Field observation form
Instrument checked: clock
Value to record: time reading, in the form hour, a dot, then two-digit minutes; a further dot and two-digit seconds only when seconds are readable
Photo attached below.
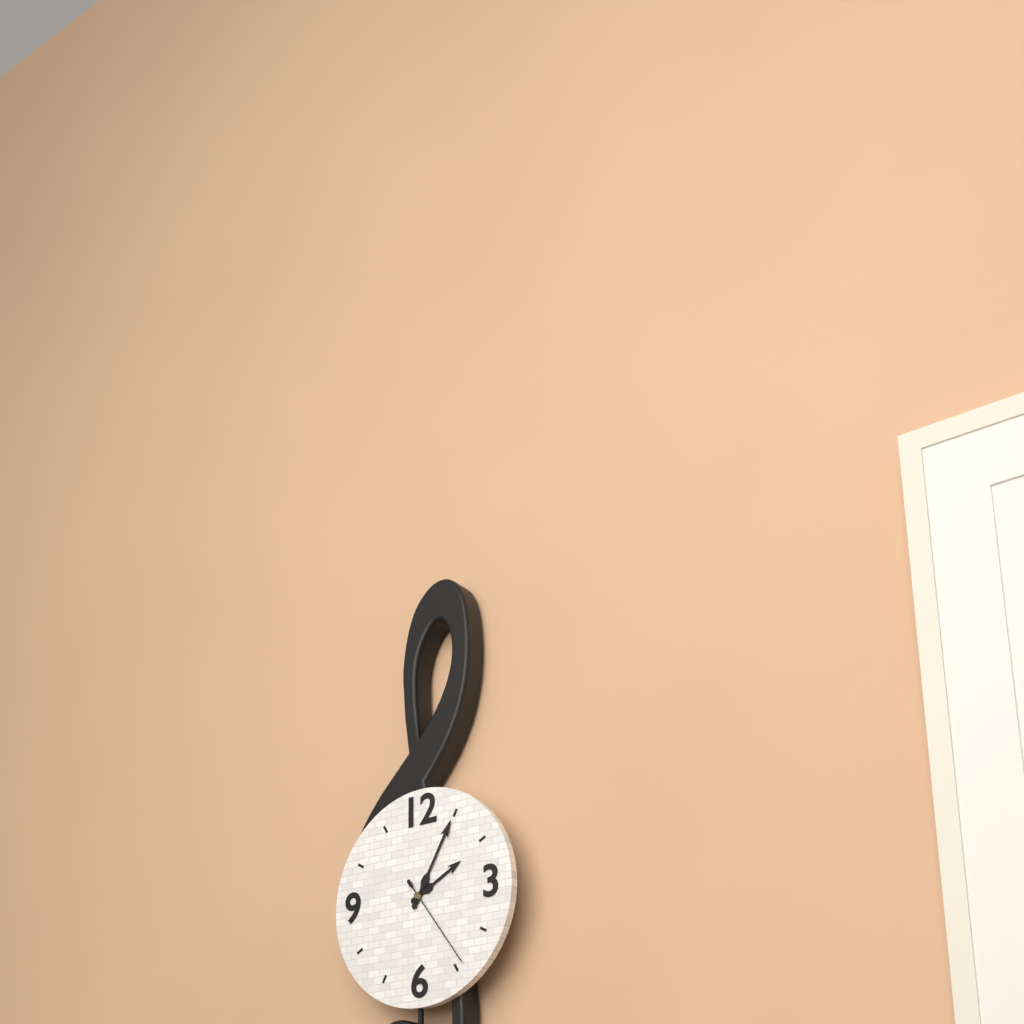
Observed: 2.05.24
